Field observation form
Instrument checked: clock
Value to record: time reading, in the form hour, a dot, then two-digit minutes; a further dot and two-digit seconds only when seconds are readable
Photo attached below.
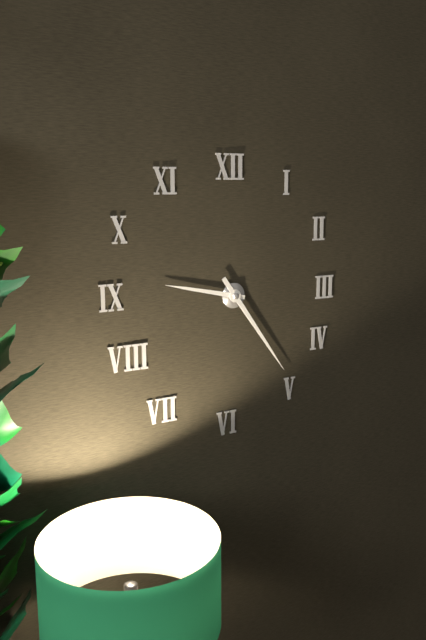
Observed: 9.24
